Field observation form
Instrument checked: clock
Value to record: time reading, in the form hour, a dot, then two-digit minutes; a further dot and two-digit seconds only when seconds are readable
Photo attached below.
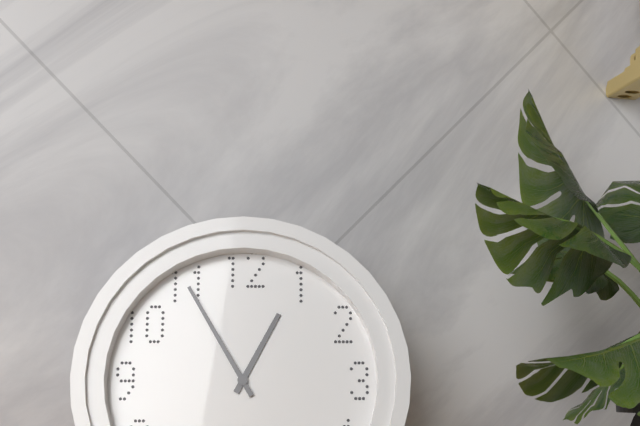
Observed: 12.55
